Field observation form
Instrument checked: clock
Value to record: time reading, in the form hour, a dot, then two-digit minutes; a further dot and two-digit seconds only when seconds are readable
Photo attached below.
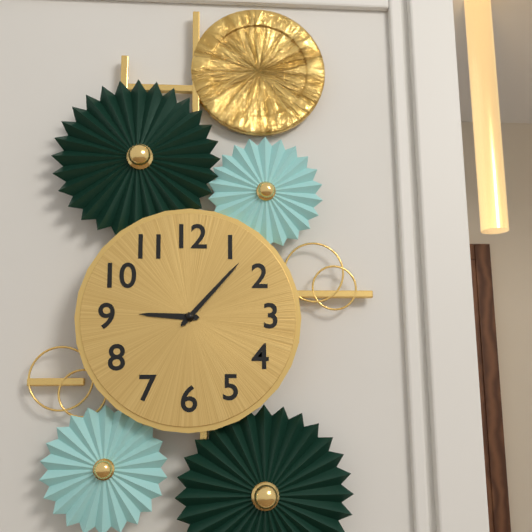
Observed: 9.07
